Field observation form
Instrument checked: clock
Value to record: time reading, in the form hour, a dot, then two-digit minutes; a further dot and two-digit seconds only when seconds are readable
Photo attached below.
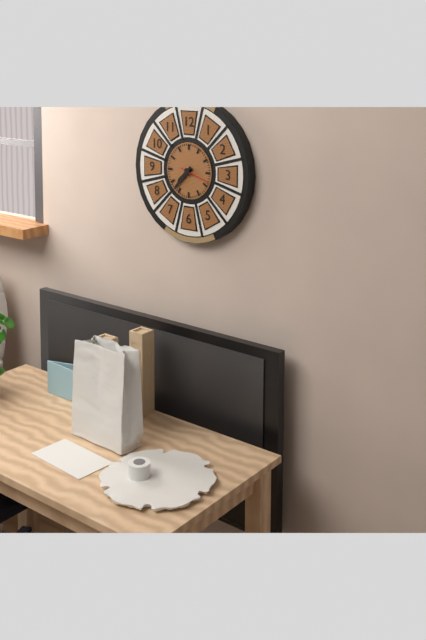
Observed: 7.37
